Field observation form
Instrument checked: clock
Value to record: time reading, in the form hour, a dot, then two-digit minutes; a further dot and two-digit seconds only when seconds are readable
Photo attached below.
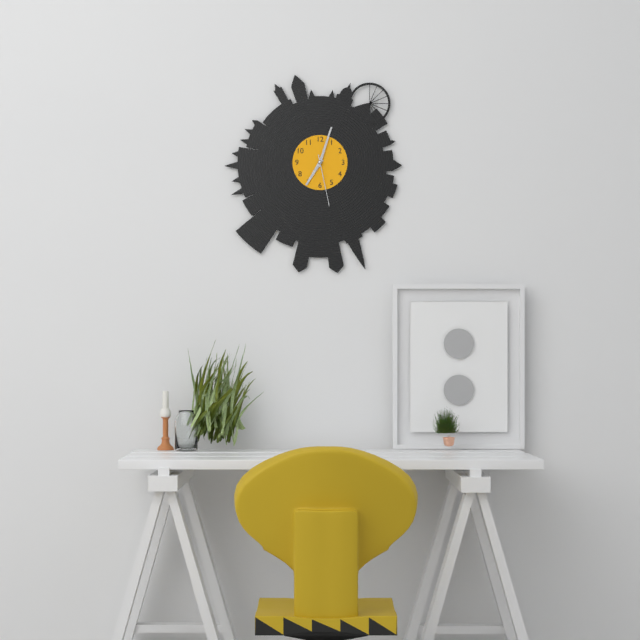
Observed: 7.03.28
